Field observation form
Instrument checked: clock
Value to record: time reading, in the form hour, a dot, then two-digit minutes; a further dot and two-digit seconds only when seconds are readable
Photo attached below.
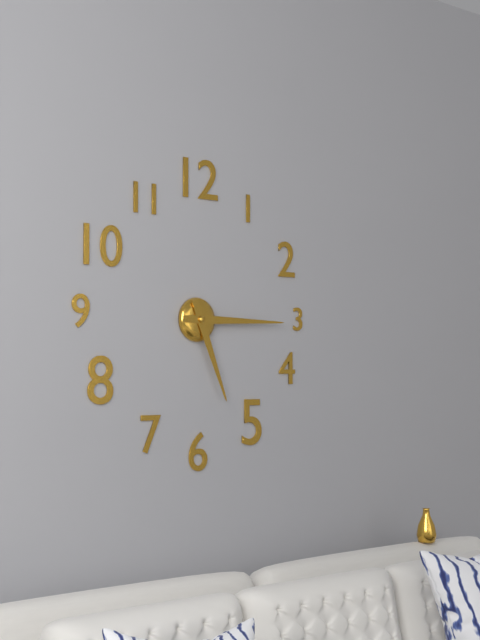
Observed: 5.15
